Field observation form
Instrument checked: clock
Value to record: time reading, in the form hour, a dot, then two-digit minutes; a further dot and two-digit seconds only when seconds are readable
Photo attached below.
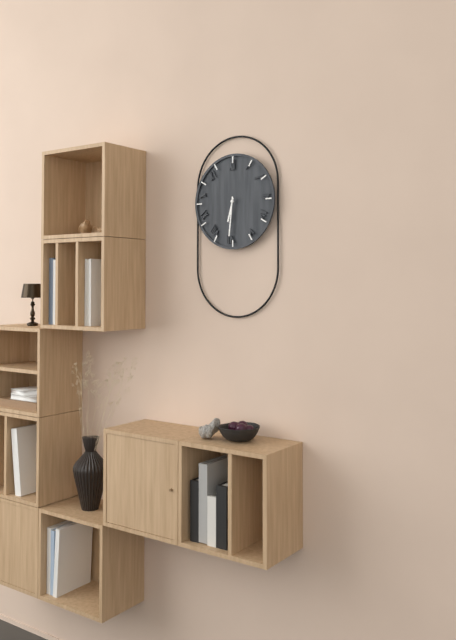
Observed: 6.31
